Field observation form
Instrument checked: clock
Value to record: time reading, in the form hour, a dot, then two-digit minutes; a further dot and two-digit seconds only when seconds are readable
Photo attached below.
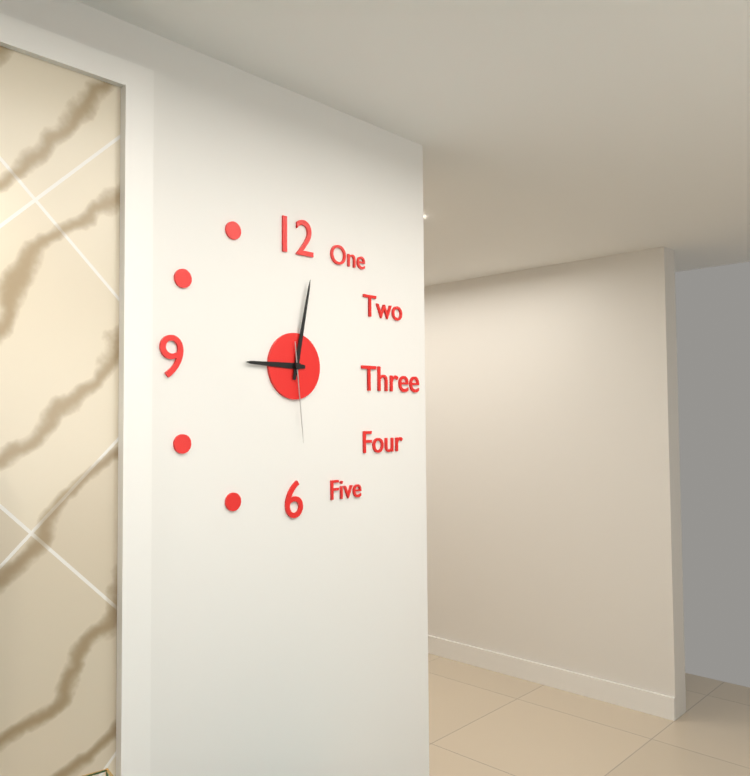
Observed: 9.02.29
